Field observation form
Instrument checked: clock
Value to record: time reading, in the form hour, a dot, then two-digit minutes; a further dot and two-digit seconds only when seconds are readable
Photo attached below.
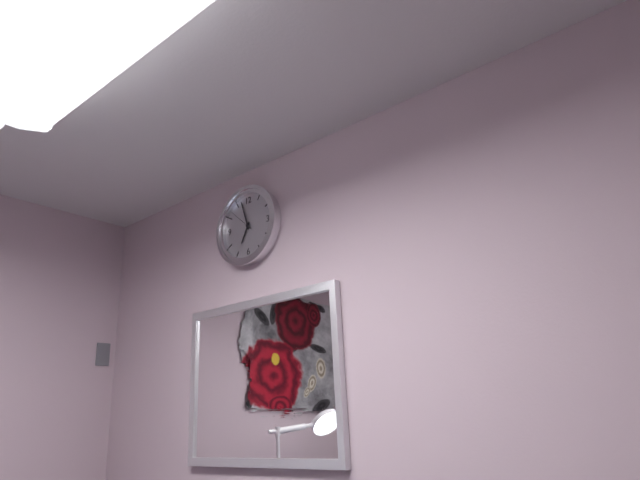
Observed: 6.57
